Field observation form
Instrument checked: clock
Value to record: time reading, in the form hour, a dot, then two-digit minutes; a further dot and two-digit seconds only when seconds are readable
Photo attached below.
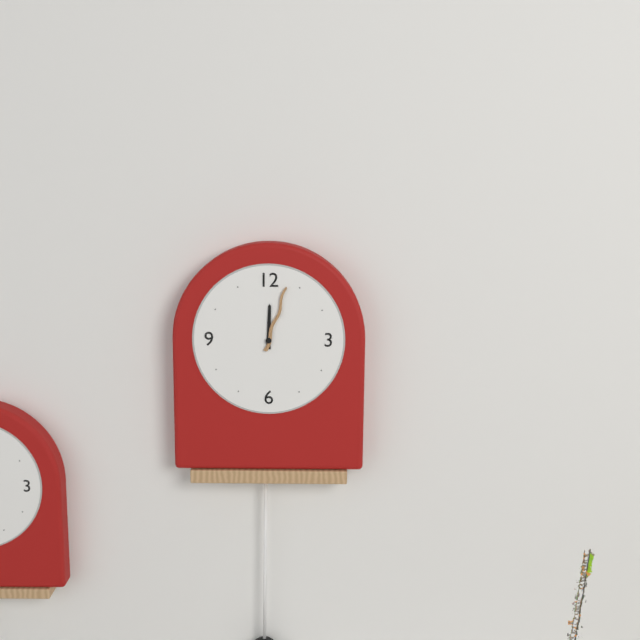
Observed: 12.03
